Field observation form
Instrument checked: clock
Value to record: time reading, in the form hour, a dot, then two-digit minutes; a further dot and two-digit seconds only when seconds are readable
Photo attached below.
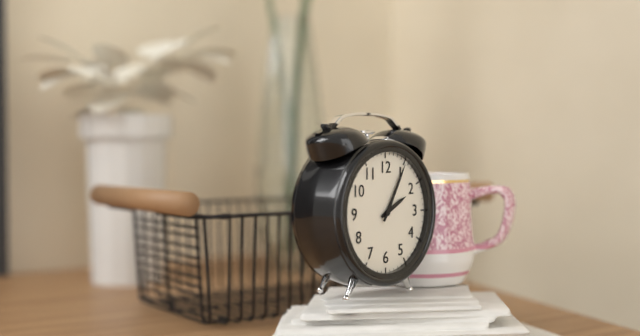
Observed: 2.05
